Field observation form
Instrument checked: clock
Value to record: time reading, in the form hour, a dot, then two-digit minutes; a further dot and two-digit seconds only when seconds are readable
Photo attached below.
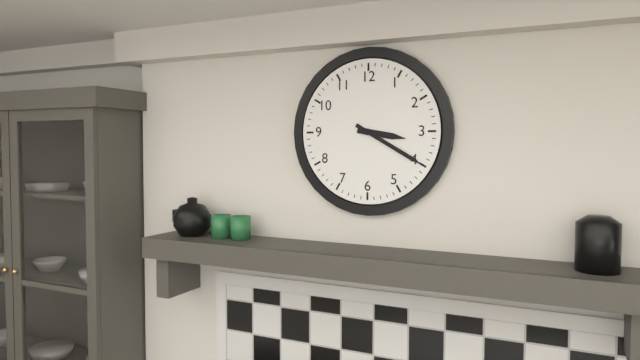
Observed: 3.20
